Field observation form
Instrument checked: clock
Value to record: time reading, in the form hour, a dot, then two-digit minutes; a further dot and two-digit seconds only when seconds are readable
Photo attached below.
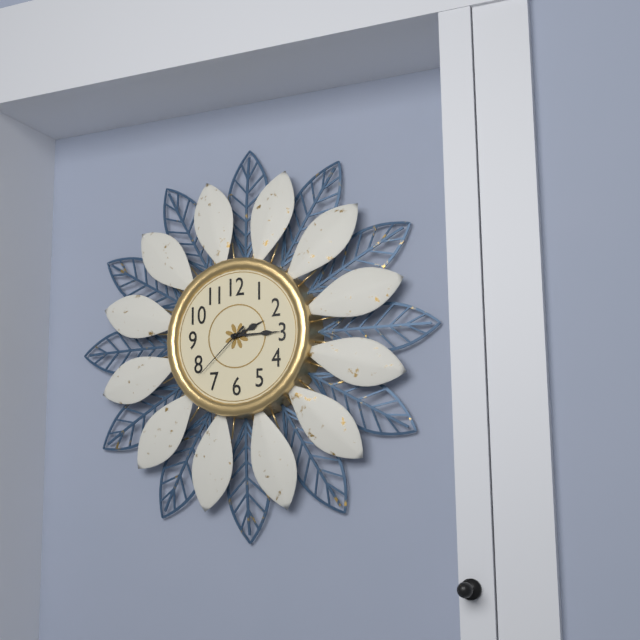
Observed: 2.15.38
